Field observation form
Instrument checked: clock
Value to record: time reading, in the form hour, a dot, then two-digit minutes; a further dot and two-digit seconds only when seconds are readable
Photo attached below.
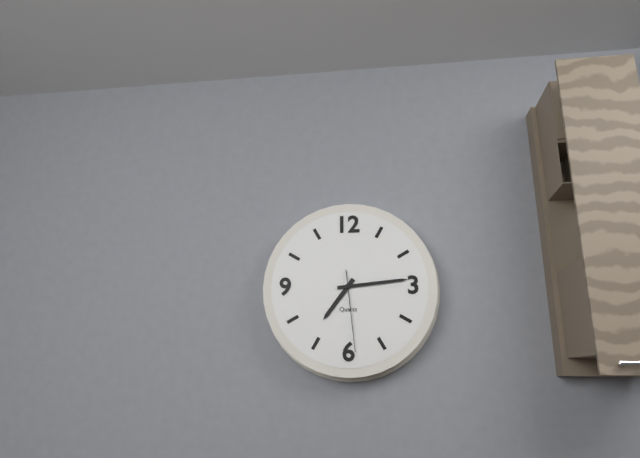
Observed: 7.14.29
